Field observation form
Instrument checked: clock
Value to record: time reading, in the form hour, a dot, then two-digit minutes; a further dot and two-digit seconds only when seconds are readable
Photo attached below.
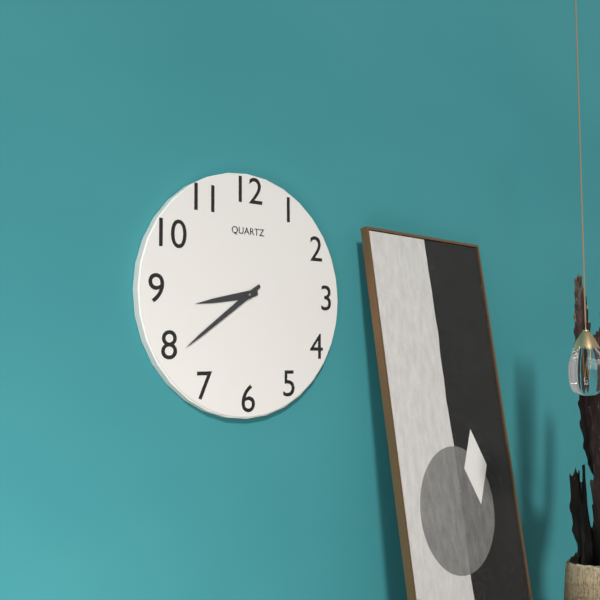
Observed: 8.39
